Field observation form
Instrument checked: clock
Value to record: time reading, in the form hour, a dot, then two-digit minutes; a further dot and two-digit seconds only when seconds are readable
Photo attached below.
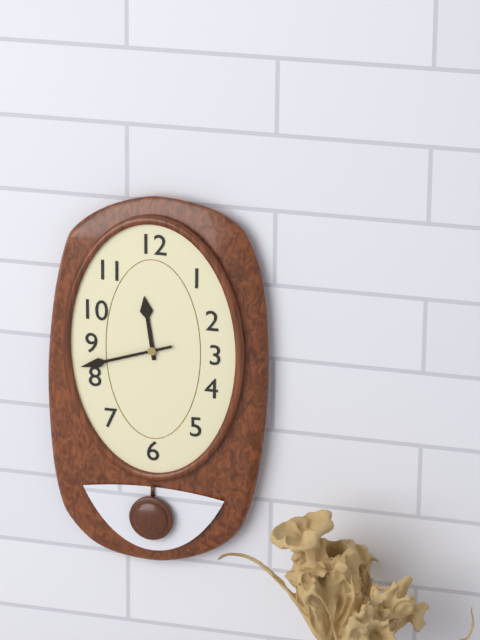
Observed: 11.42
